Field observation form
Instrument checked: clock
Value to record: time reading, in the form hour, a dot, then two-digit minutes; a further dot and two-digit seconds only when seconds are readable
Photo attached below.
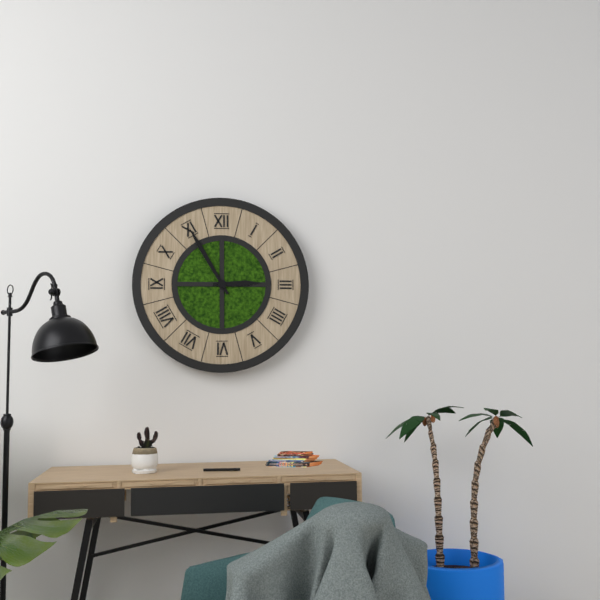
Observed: 2.55
